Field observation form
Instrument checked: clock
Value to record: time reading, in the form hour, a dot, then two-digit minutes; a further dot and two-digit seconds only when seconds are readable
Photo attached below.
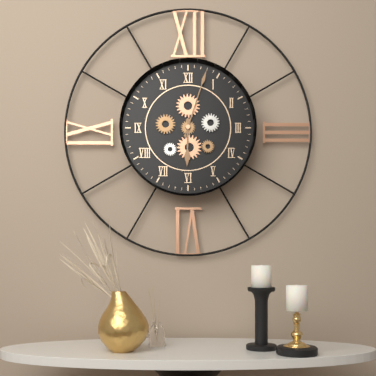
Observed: 6.03
